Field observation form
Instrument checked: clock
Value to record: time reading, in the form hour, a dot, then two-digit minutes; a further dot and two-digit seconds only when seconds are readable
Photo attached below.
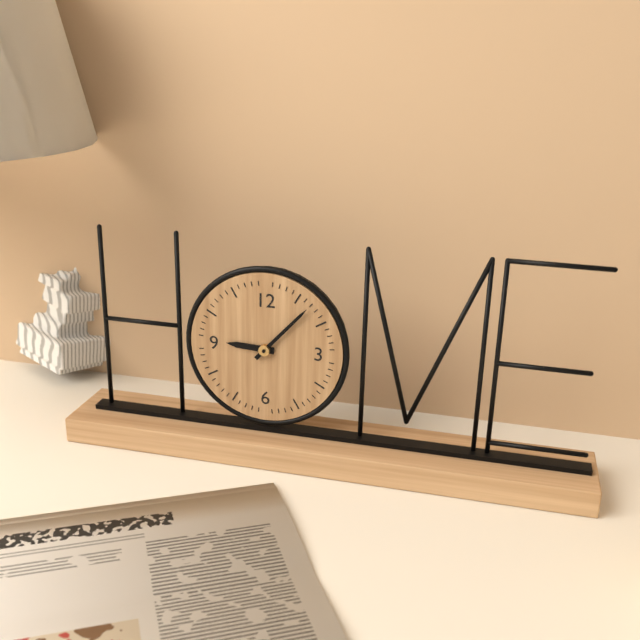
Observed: 9.07
